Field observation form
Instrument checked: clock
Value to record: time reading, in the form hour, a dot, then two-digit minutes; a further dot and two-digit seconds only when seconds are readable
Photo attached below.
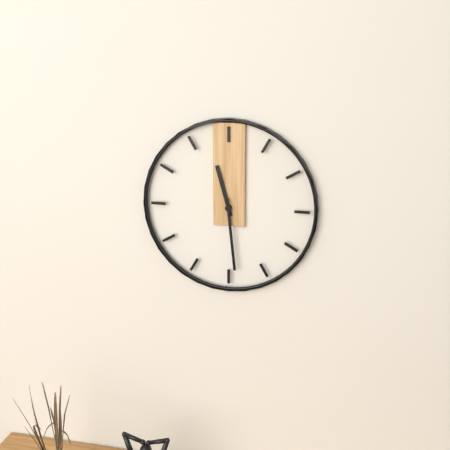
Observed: 11.29
